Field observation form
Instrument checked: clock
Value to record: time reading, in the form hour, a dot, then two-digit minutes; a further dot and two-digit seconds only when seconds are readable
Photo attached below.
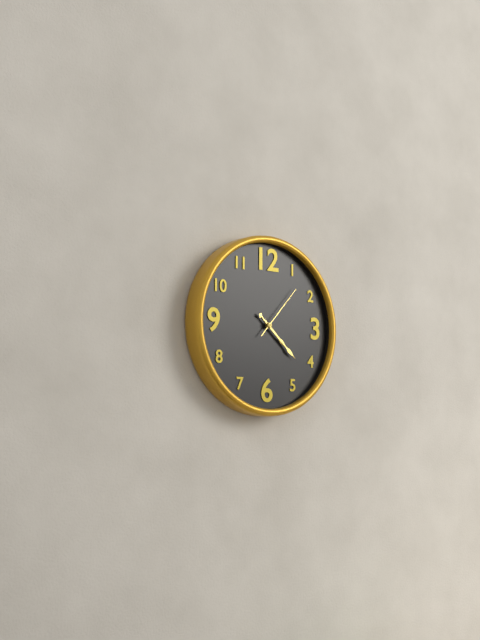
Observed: 4.22.07
